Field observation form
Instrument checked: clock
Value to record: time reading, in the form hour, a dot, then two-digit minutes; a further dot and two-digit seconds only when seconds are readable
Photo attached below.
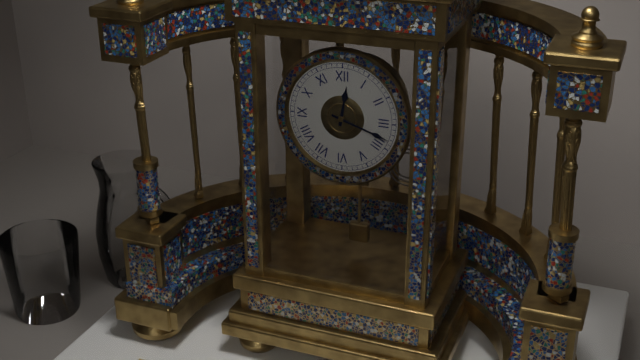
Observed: 12.18
